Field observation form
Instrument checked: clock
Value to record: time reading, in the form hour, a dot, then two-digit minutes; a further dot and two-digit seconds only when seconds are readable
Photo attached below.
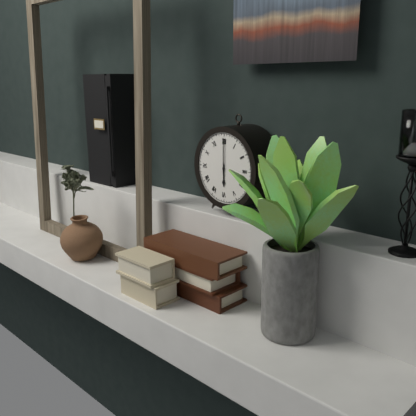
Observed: 6.00
